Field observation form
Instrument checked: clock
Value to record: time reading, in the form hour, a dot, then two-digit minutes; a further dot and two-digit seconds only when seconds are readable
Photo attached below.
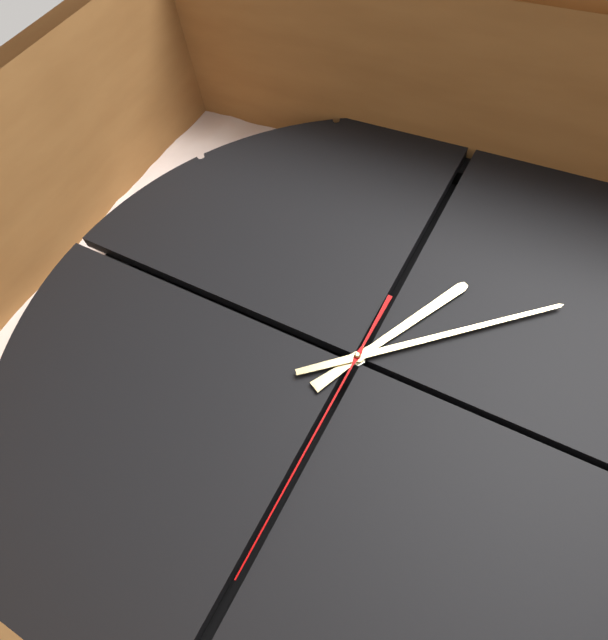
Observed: 9.53.15
